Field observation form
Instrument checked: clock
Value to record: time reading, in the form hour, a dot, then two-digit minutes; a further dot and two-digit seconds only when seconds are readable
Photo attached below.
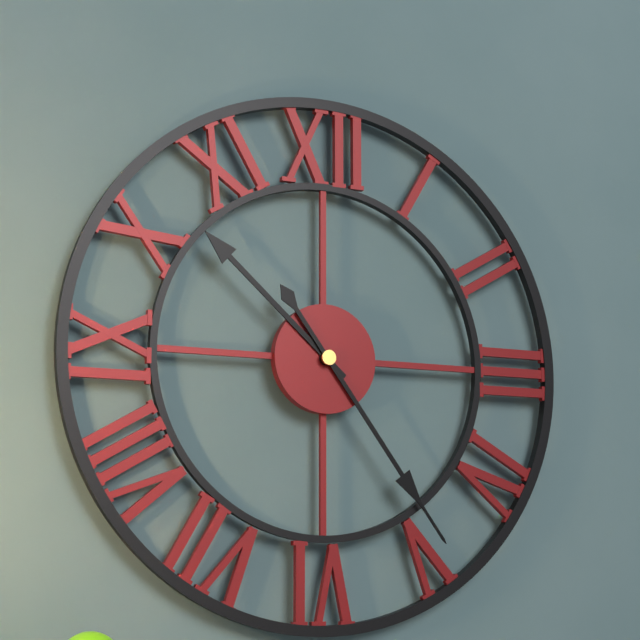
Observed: 10.24
